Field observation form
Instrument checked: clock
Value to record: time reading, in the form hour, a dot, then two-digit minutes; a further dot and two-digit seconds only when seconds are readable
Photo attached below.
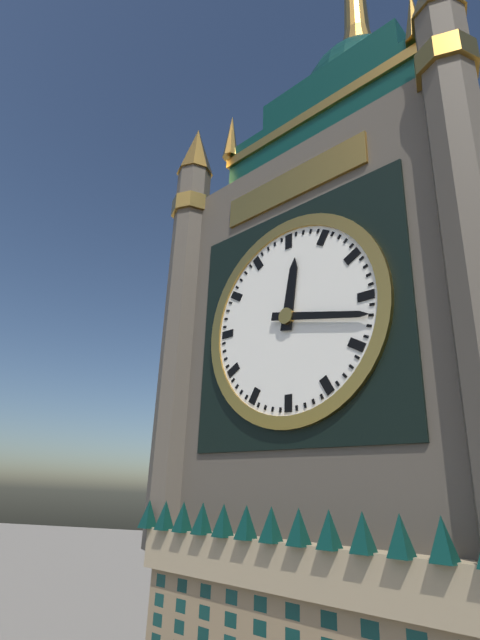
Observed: 12.17
